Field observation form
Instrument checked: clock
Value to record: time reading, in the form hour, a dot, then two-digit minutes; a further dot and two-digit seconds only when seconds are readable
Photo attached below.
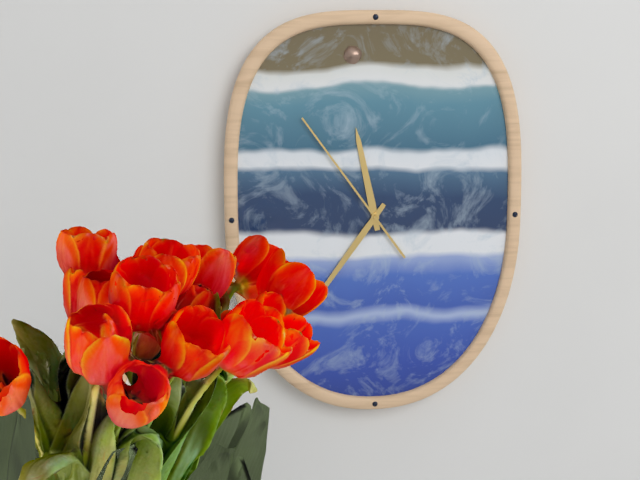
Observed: 11.36.54
